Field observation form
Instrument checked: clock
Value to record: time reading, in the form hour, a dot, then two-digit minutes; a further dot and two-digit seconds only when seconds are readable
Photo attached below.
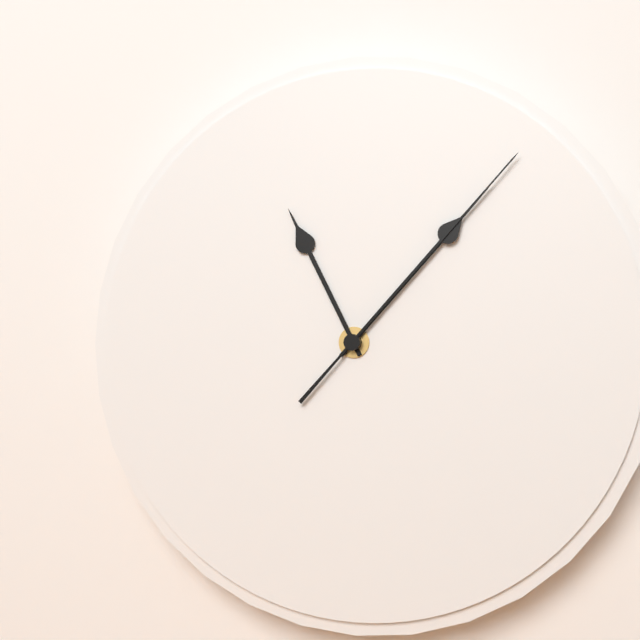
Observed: 11.07.07
